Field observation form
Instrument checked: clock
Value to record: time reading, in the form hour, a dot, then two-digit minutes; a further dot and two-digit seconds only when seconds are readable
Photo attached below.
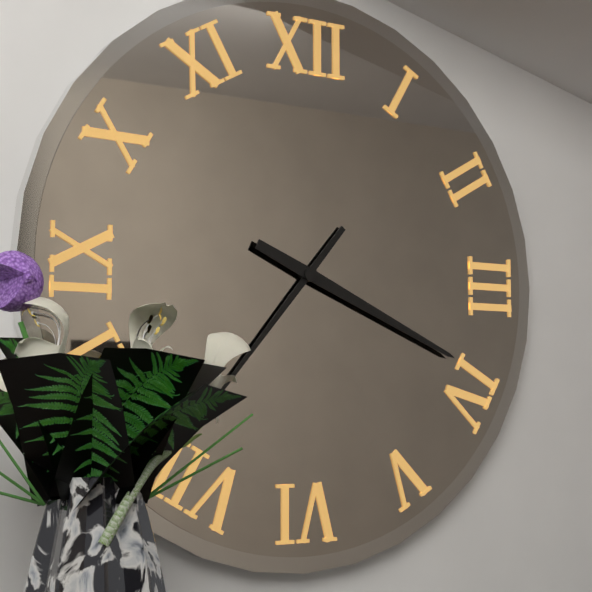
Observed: 7.19
